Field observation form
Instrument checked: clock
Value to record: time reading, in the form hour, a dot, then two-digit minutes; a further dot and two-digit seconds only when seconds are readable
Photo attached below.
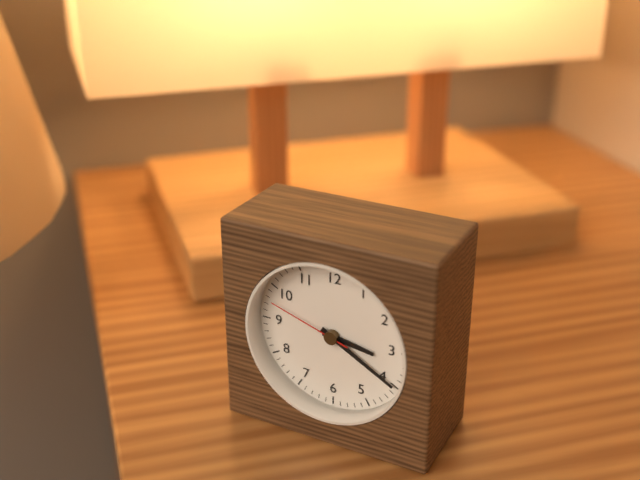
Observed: 3.20.48
